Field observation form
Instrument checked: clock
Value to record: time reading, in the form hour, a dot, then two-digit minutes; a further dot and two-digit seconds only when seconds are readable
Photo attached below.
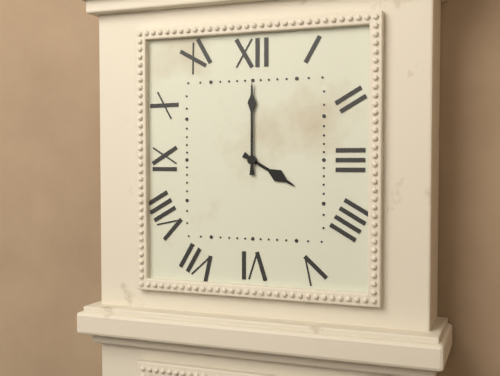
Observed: 4.00
